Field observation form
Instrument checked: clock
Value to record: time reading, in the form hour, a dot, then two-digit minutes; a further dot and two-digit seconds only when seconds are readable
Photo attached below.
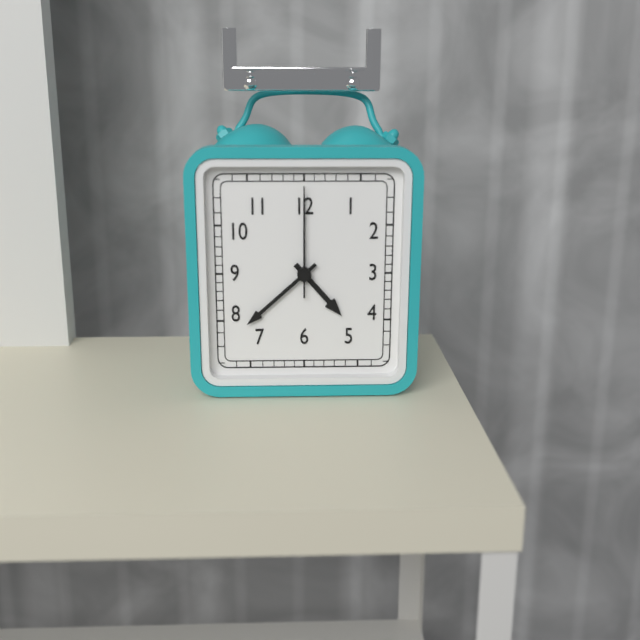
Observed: 4.38.00
